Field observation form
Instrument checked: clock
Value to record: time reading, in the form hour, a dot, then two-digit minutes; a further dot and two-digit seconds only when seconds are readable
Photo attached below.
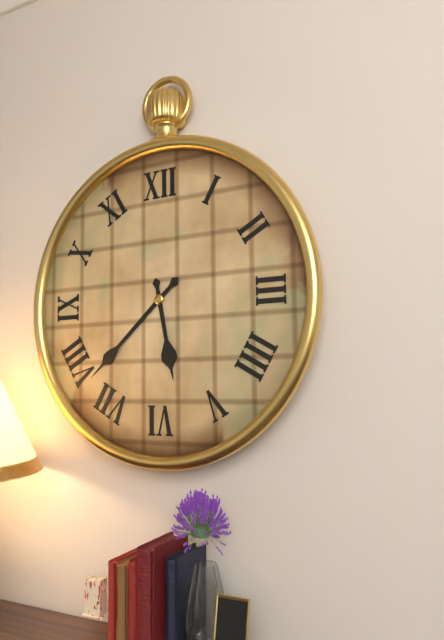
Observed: 5.38
